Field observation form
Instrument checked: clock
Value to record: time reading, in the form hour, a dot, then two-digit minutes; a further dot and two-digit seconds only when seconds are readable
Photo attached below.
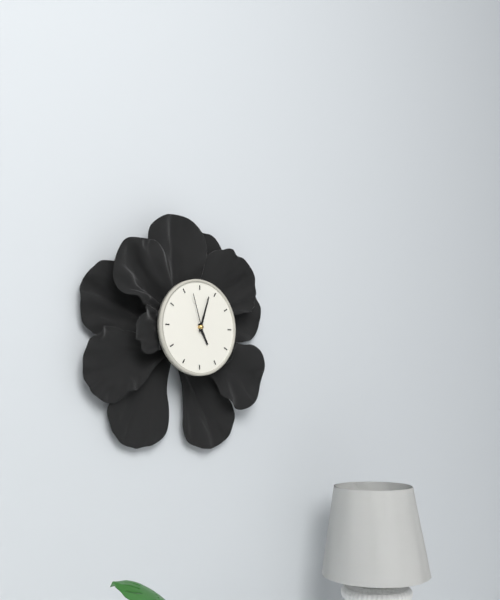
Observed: 5.03
